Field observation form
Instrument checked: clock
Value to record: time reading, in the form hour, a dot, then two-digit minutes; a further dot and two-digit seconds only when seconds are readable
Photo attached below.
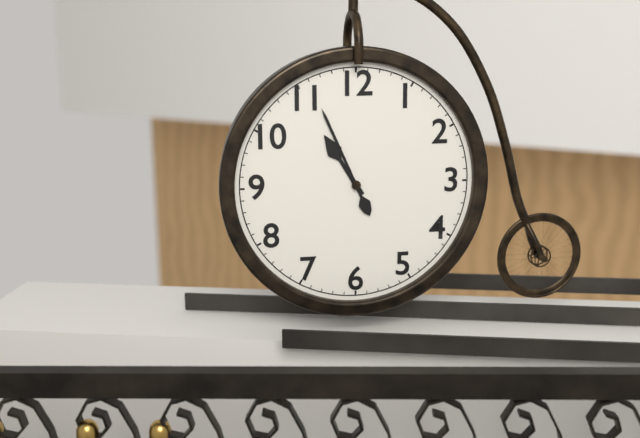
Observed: 10.56
